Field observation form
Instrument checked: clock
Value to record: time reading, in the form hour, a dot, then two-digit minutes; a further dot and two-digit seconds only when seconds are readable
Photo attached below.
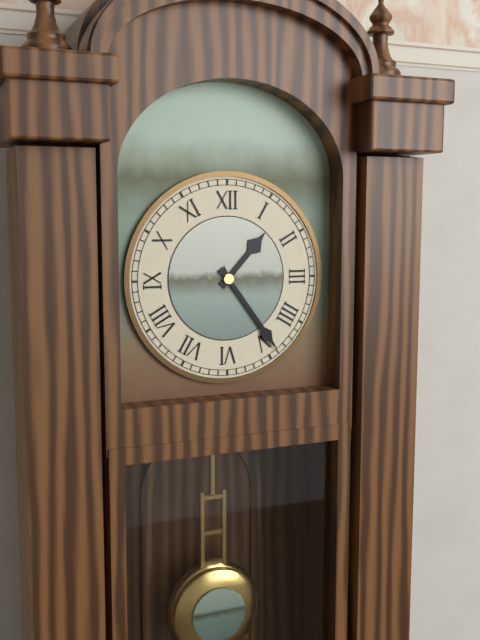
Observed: 1.24
